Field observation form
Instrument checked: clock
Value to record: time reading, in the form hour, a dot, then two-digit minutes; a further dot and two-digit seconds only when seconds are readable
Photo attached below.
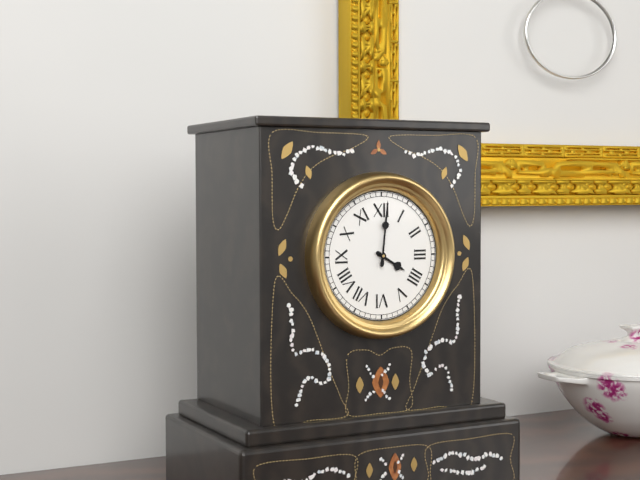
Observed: 4.01
